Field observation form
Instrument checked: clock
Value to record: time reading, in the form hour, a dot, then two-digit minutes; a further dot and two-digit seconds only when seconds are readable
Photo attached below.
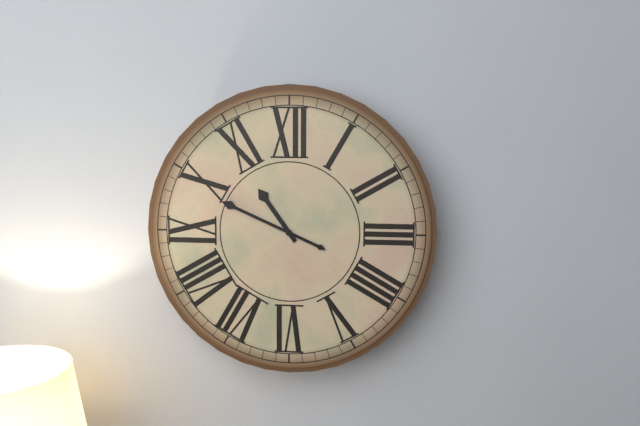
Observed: 10.49
